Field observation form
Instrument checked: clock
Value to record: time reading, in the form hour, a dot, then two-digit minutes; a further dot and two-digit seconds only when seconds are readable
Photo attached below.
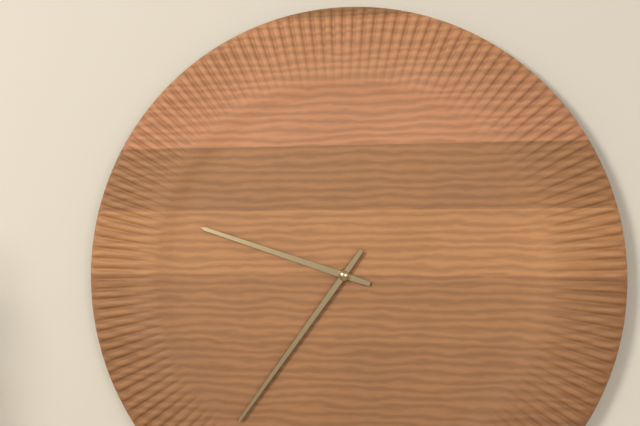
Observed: 9.36
